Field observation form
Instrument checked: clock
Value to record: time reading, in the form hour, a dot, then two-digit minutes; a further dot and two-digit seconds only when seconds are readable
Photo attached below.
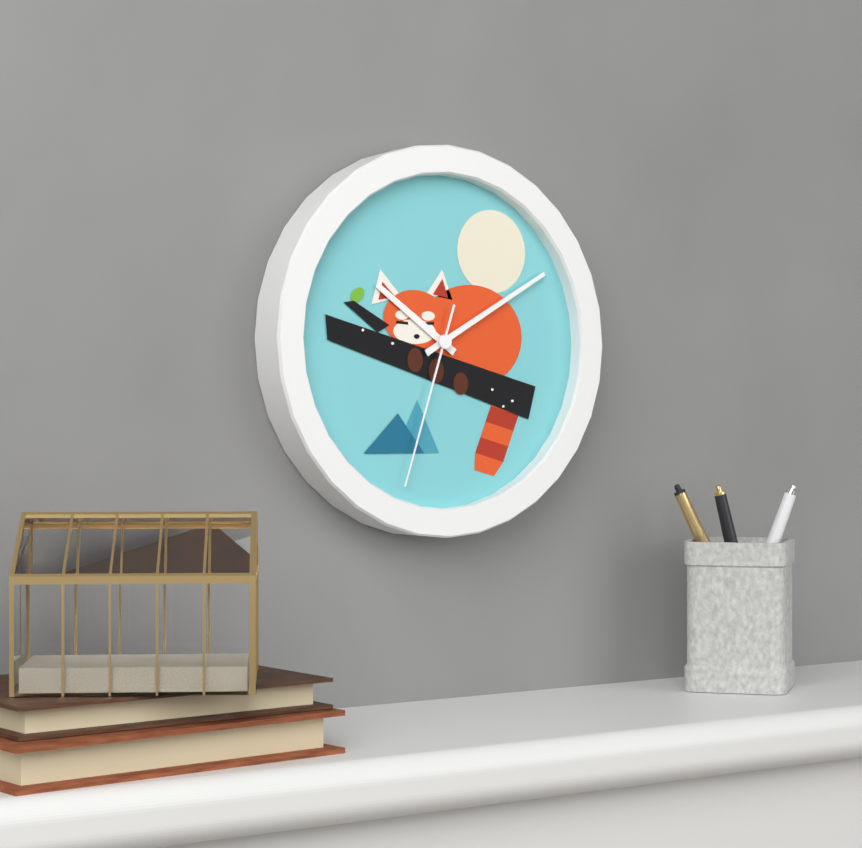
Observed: 10.10.33
